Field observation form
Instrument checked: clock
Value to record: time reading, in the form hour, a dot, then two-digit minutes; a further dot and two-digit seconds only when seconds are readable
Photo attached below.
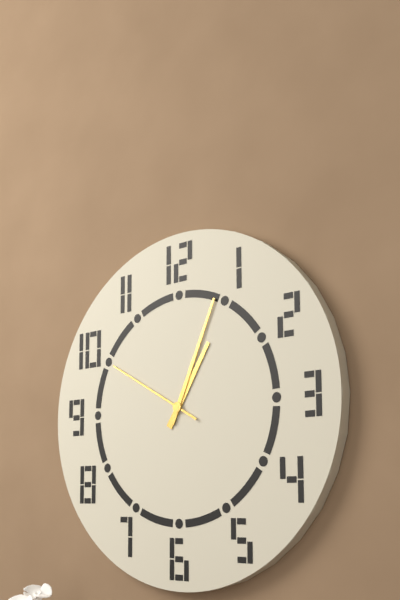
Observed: 1.04.50
